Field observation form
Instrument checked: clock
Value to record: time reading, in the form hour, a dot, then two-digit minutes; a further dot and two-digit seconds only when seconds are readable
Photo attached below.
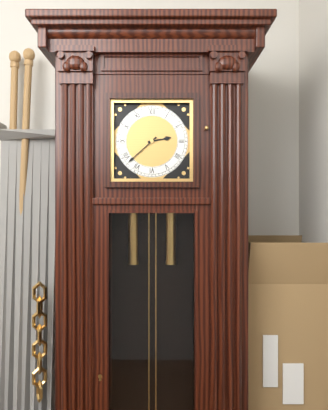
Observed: 2.38
